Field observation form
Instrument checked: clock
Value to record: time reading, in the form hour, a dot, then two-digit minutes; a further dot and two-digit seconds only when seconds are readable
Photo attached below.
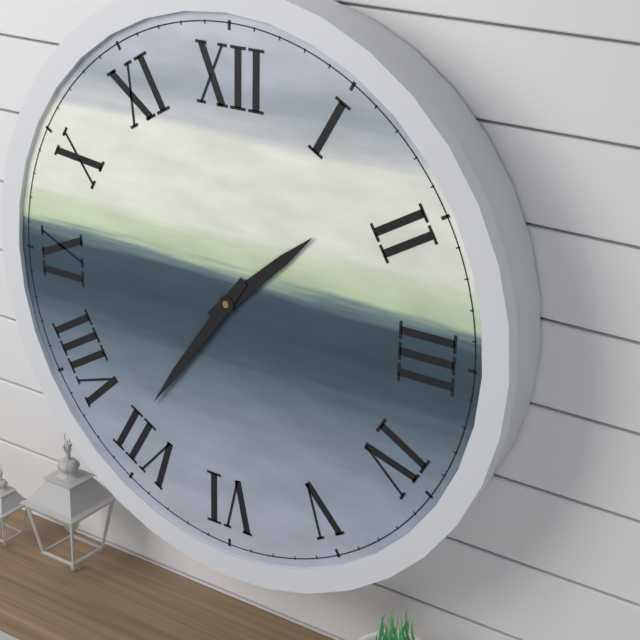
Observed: 1.36
